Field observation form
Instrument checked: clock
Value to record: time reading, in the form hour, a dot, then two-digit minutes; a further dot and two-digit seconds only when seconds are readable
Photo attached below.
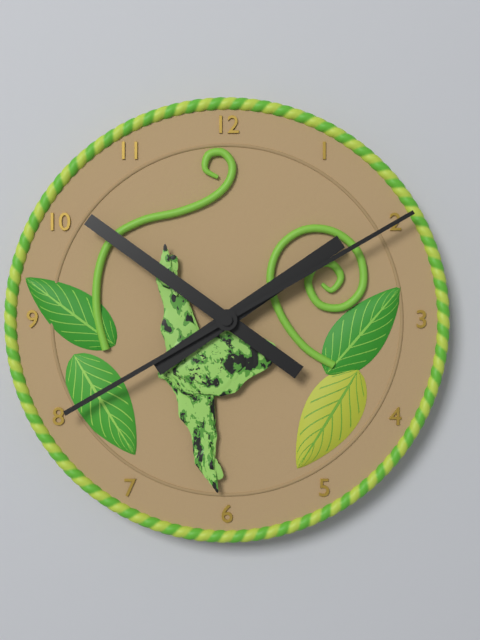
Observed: 1.51.10
